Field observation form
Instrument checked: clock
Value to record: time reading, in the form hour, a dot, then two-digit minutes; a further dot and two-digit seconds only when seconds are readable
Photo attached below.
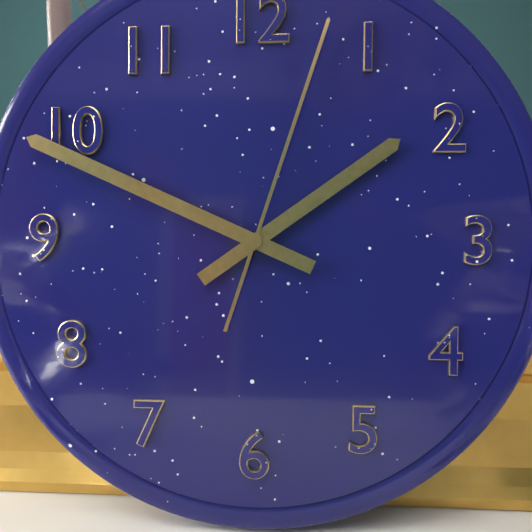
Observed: 1.49.03
